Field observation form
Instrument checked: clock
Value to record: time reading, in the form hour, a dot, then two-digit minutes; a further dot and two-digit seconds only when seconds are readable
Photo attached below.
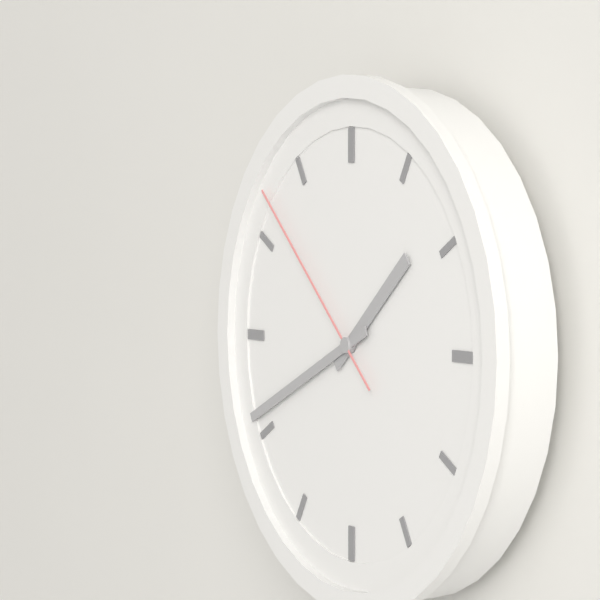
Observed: 1.41.52
